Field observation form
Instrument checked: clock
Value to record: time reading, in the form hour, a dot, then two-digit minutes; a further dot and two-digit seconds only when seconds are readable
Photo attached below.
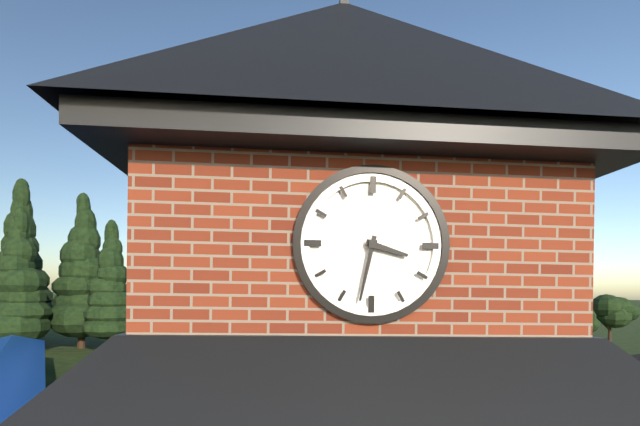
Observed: 3.32
